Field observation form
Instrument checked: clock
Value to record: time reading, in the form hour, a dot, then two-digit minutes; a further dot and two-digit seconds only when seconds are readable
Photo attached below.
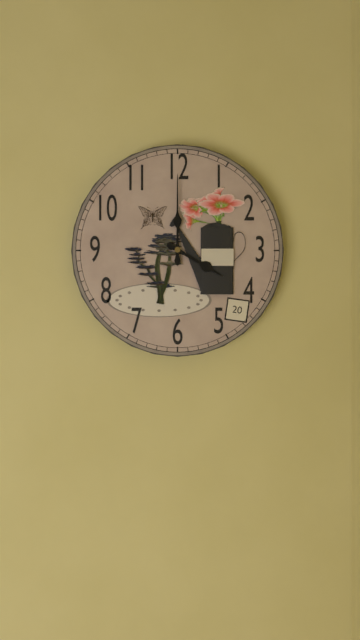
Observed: 4.00
